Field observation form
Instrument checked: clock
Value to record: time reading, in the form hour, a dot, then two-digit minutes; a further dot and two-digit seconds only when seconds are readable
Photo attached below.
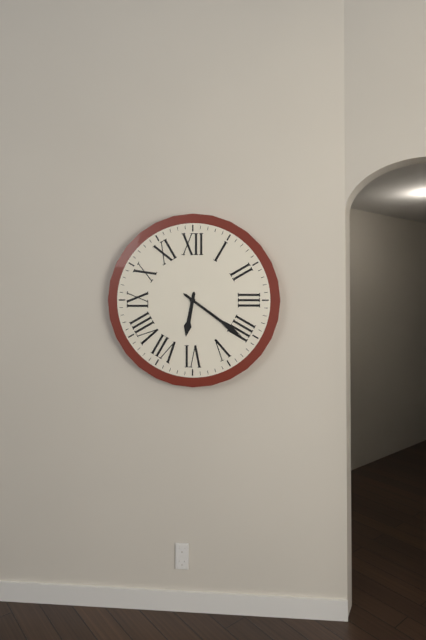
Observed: 6.21
